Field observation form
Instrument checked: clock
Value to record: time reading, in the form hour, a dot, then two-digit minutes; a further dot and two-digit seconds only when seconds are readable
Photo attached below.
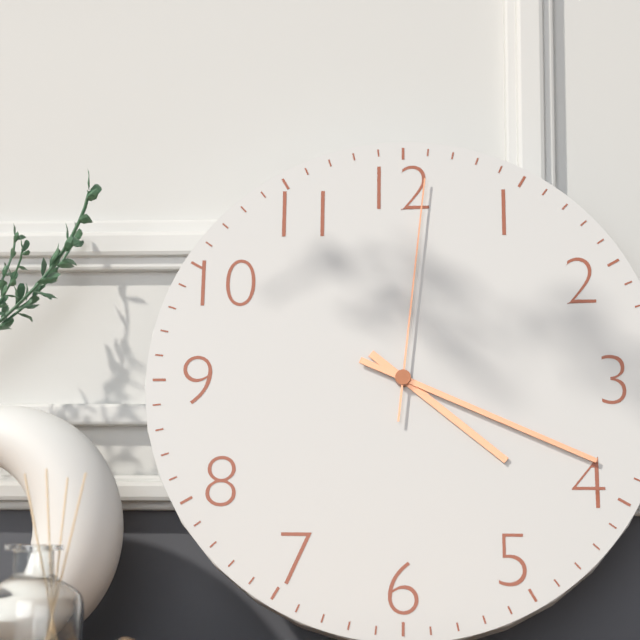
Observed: 4.19.01
